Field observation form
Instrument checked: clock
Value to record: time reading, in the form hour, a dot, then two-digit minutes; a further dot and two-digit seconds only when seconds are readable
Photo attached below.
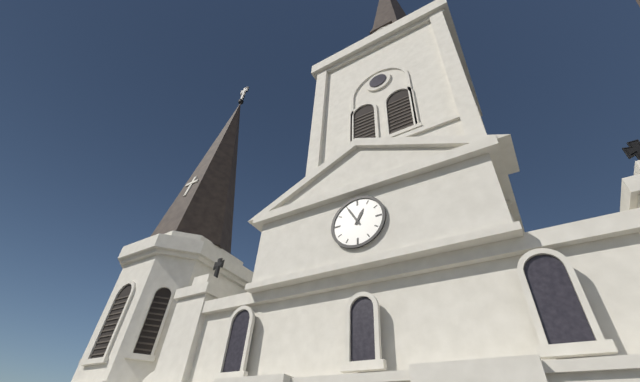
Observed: 12.55
